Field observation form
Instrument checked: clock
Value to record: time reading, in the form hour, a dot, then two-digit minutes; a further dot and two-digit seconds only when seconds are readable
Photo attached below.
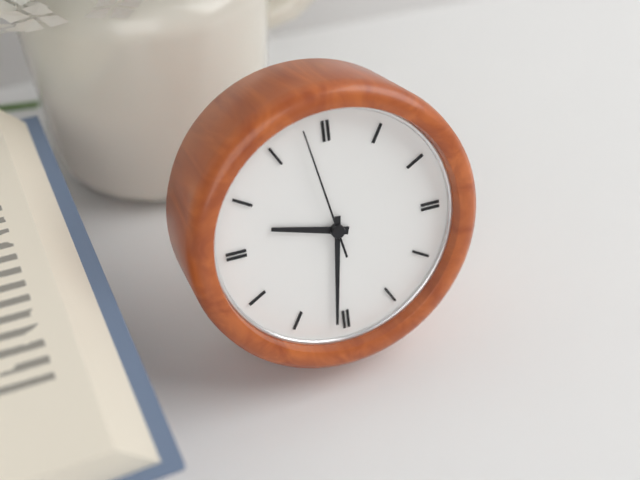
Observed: 9.31.58
